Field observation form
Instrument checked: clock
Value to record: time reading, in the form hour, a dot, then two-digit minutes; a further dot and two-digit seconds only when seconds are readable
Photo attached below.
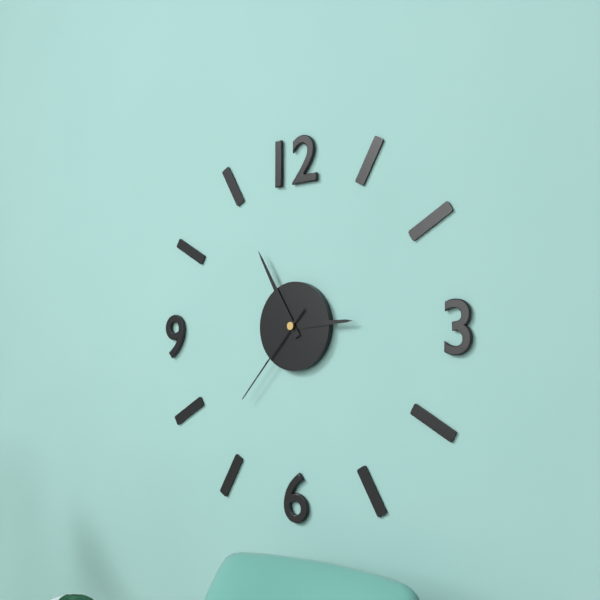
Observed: 2.55.37
